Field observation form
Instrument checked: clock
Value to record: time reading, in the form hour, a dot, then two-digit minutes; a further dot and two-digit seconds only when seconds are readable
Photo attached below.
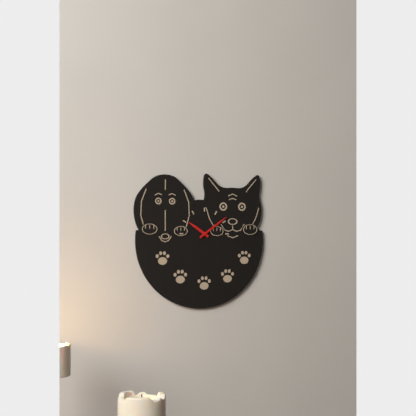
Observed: 10.09
